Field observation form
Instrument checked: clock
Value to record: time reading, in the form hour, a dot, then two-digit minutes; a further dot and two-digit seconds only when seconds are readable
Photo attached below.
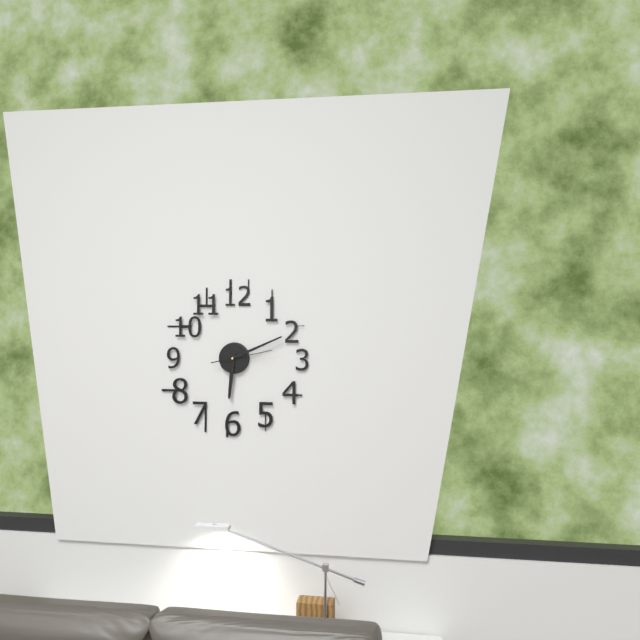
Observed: 6.11.13
